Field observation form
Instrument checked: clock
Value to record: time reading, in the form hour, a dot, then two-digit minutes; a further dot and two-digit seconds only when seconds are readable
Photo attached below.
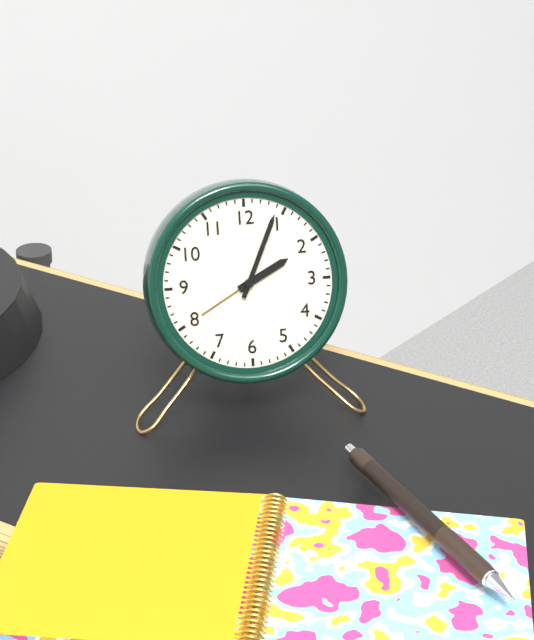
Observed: 2.04
